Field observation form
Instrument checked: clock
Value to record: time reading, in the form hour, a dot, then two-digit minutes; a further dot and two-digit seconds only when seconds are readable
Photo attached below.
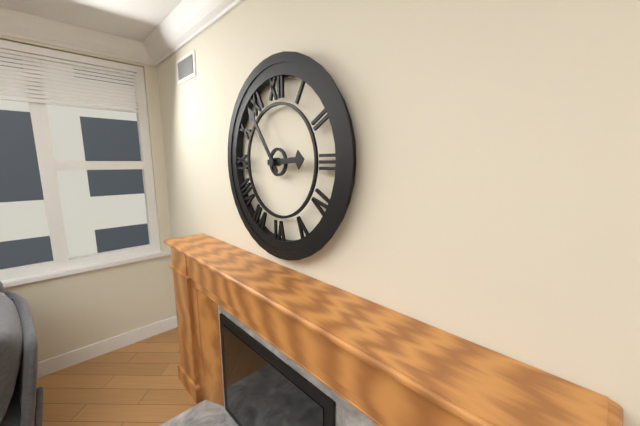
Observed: 2.54
